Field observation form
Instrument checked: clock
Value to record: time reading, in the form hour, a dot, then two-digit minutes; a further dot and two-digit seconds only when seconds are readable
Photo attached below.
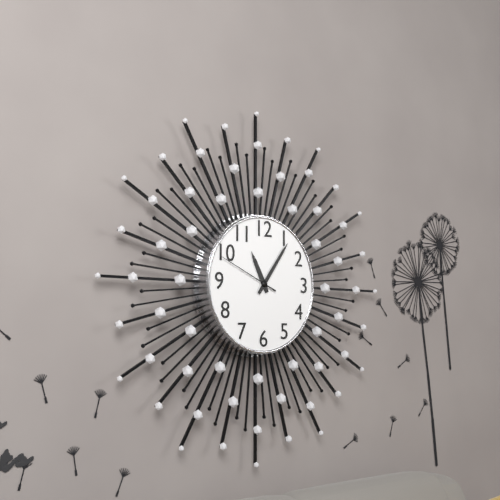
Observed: 11.06.49
